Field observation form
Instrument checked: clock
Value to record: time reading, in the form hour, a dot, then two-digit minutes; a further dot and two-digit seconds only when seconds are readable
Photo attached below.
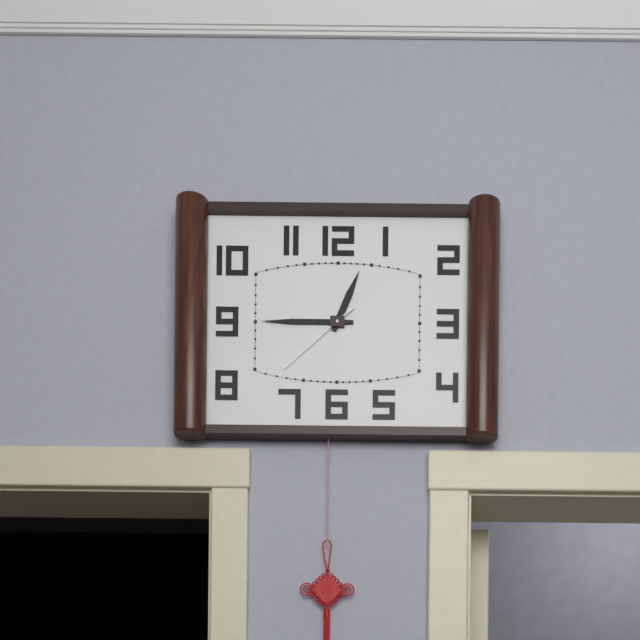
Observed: 12.45.38
